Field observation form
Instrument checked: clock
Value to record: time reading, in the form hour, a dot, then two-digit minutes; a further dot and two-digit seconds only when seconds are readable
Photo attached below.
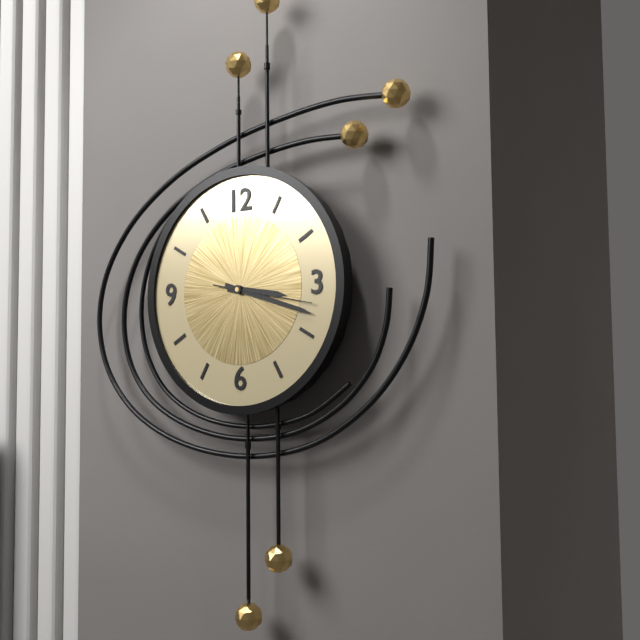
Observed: 3.18.17
